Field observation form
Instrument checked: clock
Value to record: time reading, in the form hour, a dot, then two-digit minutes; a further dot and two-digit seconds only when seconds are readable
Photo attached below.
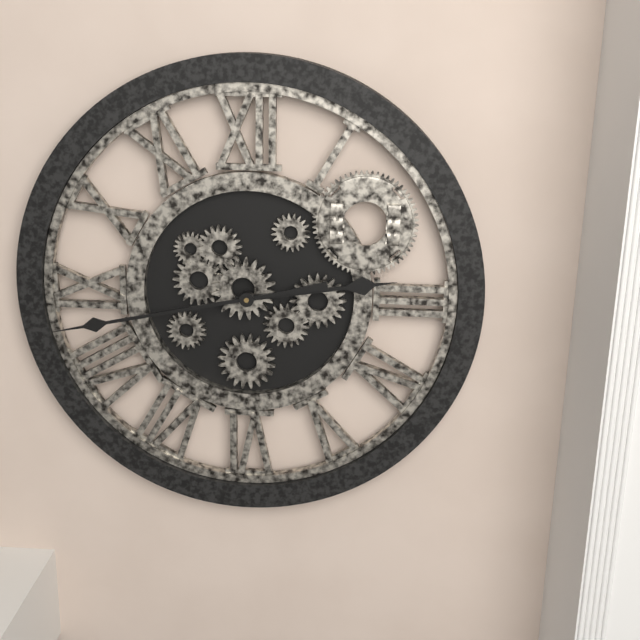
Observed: 2.43
